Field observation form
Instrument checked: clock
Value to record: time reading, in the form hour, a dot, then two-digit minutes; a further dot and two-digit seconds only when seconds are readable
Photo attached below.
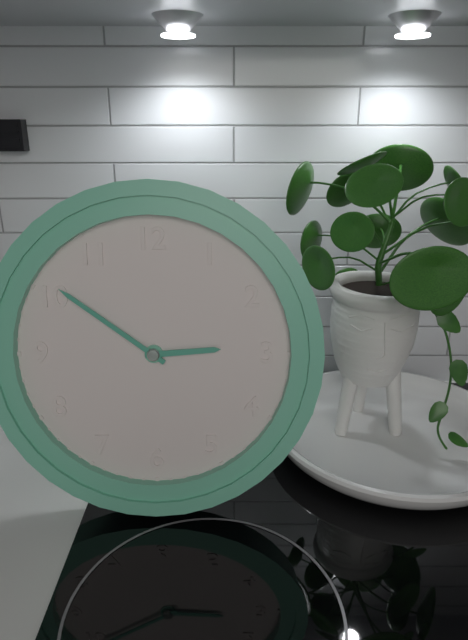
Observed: 2.51
